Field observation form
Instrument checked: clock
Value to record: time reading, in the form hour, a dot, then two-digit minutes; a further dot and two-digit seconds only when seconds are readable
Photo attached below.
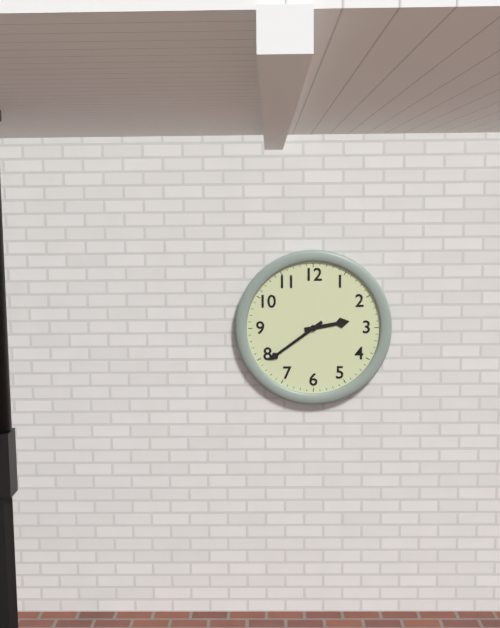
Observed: 2.39
